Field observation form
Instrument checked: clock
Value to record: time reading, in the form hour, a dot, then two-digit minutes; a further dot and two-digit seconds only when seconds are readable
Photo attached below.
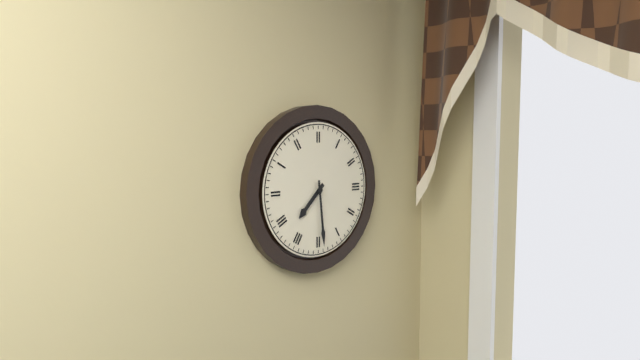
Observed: 7.29
